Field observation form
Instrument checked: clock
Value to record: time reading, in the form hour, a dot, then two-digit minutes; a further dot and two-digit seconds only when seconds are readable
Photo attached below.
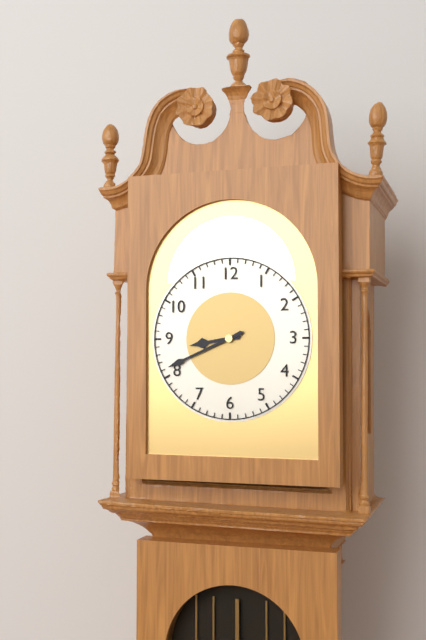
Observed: 8.41
